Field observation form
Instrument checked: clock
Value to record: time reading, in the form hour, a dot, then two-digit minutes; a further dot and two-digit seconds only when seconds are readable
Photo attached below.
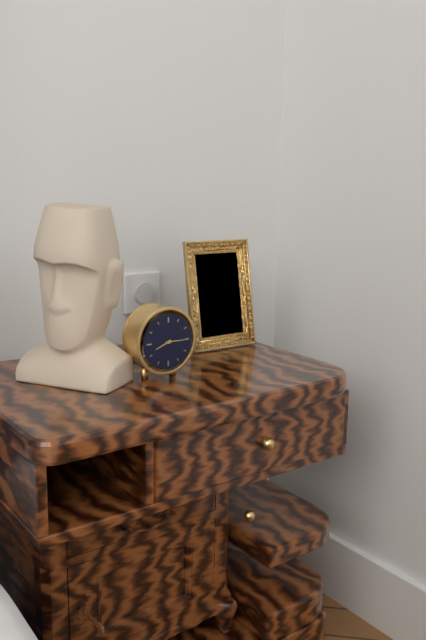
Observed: 8.15
